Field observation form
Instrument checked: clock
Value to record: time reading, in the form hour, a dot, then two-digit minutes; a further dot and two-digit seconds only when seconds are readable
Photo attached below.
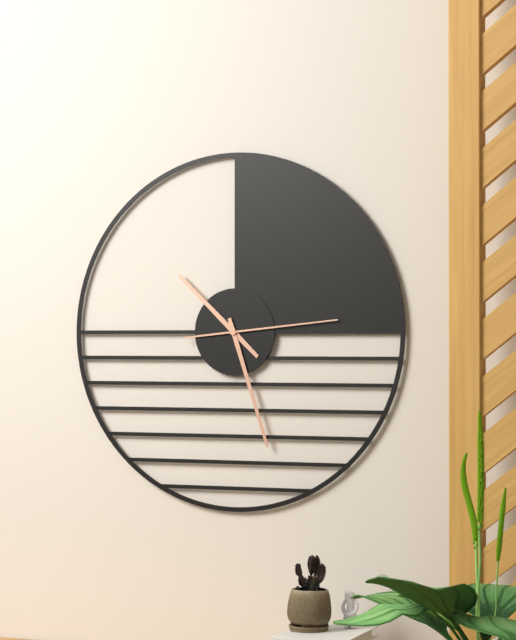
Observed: 10.27.14
